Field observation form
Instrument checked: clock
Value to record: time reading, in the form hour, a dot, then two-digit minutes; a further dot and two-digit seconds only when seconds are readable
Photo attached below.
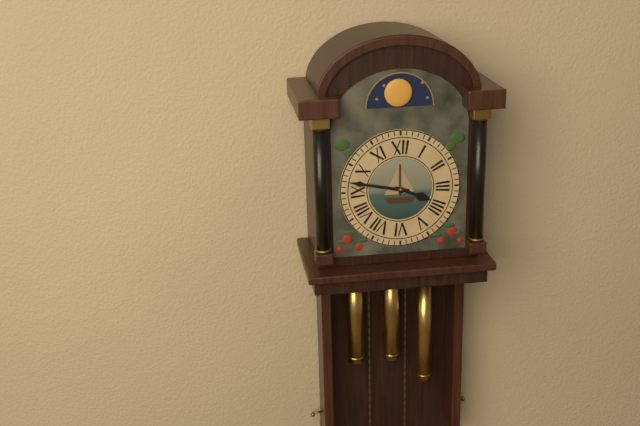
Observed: 3.47
